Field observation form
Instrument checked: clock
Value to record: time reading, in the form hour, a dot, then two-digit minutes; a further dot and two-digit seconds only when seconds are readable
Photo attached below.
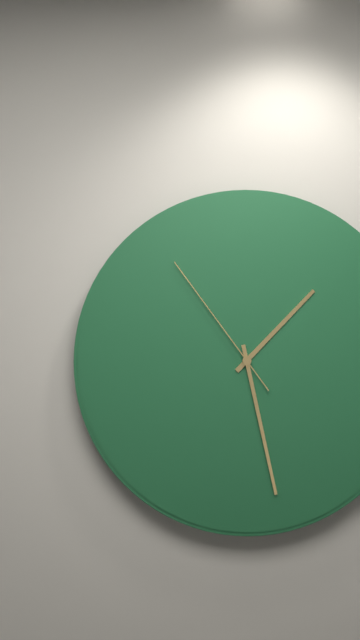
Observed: 1.28.54
